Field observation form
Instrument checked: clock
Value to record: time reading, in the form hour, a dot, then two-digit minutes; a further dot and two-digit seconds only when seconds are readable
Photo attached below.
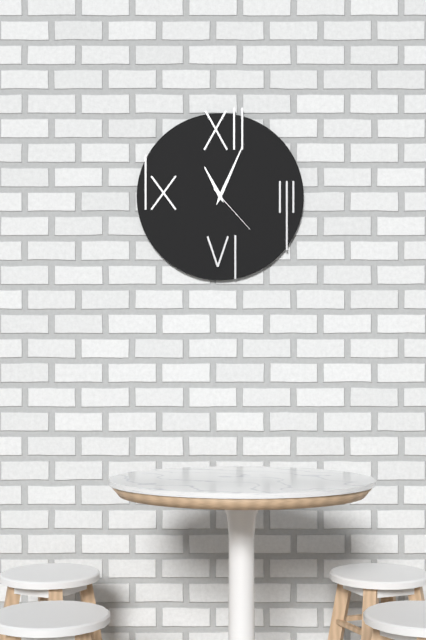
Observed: 11.04.23
